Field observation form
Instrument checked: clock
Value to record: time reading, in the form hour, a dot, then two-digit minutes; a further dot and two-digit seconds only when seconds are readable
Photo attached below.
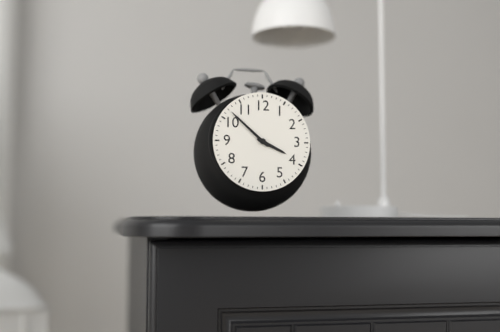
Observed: 3.52
